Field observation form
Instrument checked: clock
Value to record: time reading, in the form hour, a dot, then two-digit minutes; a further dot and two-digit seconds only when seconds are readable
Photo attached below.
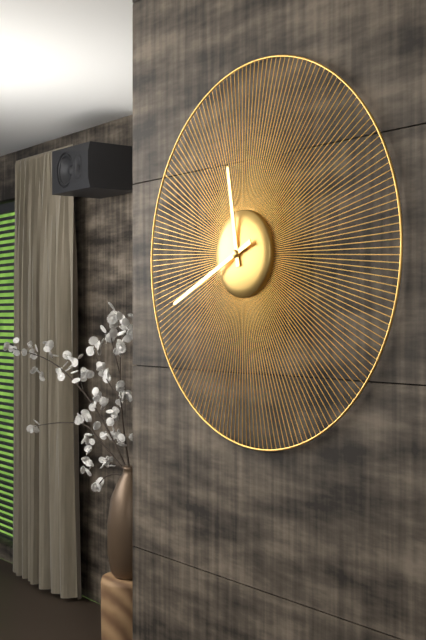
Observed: 11.41
